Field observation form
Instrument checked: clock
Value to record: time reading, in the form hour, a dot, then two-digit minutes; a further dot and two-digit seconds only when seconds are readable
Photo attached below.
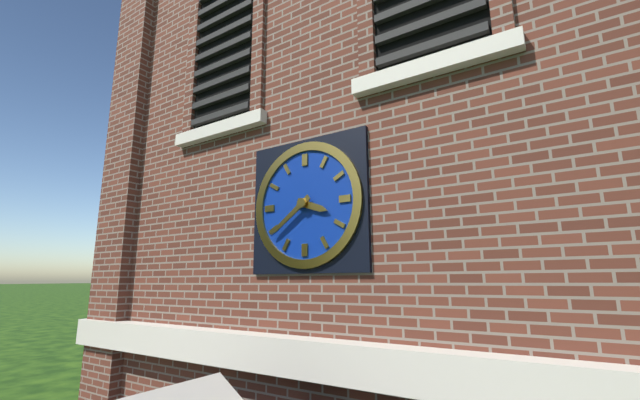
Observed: 3.39
